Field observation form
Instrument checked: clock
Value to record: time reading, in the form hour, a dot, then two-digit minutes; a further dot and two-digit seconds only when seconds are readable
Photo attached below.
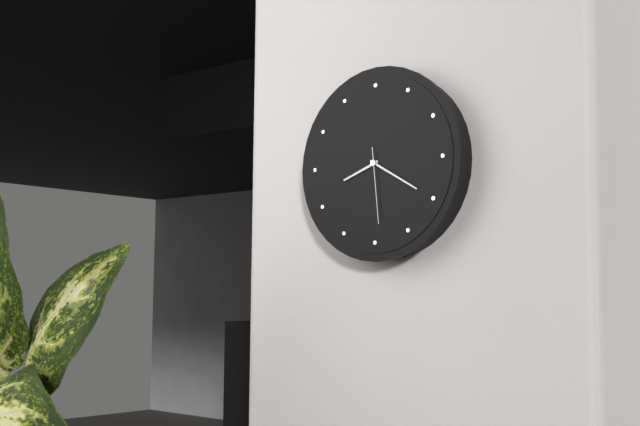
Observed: 8.20.29
